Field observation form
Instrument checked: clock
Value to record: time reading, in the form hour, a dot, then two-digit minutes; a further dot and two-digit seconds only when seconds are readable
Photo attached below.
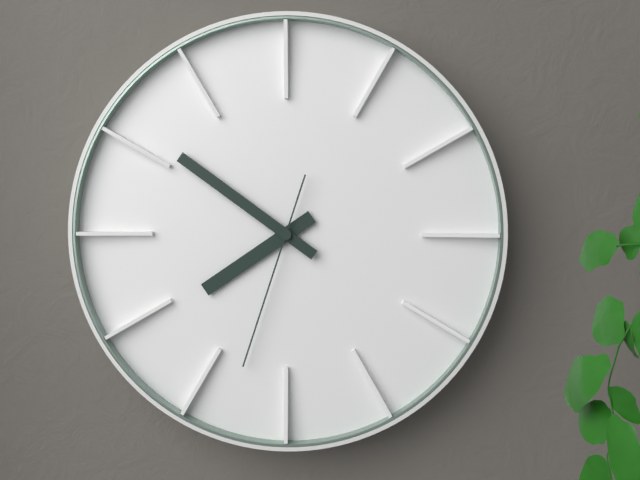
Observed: 7.51.33
